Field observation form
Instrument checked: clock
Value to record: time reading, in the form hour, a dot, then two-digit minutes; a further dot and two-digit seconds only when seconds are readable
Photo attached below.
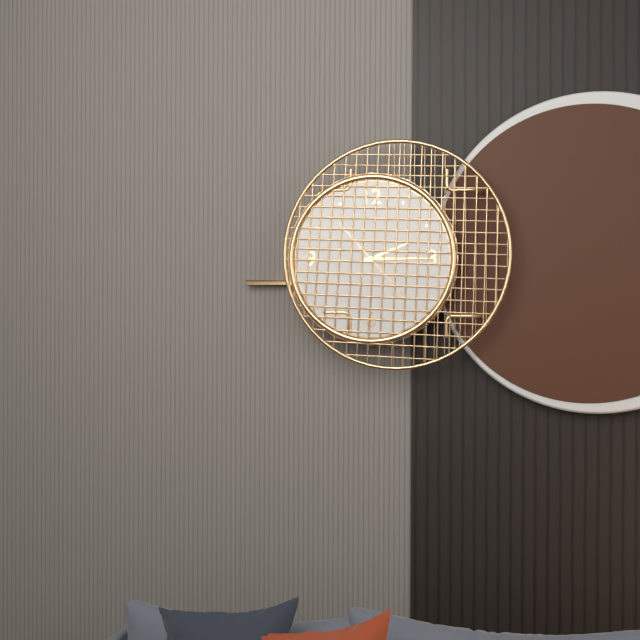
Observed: 2.15.23
